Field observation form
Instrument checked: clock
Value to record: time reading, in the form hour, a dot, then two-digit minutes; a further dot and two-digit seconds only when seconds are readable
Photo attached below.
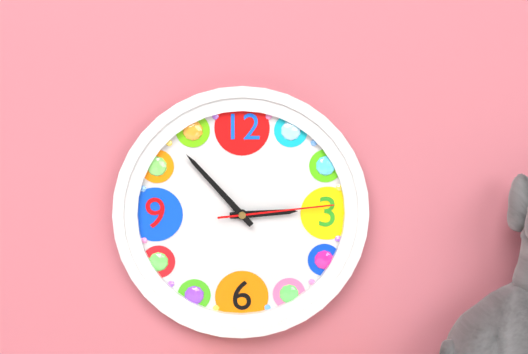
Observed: 2.53.14
